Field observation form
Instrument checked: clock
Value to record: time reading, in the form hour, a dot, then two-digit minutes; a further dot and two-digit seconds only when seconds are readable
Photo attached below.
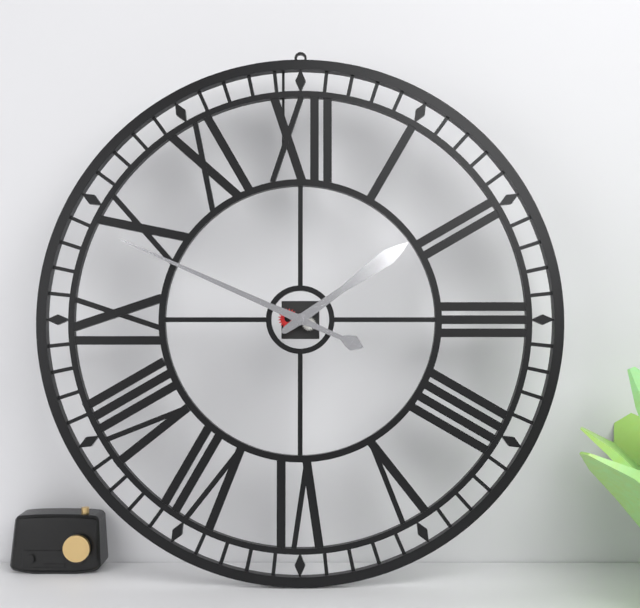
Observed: 1.49
